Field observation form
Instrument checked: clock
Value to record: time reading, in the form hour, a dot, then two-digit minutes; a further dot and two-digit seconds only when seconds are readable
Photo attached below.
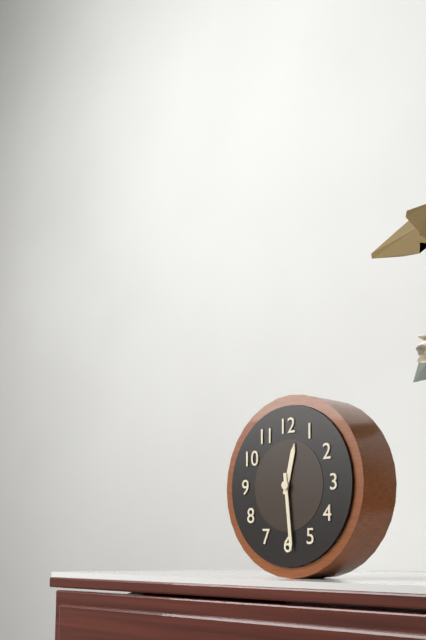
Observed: 12.29
